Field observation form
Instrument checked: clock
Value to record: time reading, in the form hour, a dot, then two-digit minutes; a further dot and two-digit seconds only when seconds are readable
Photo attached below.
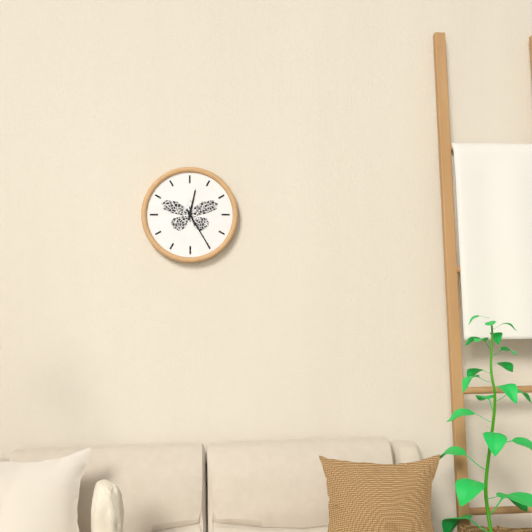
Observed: 12.25
